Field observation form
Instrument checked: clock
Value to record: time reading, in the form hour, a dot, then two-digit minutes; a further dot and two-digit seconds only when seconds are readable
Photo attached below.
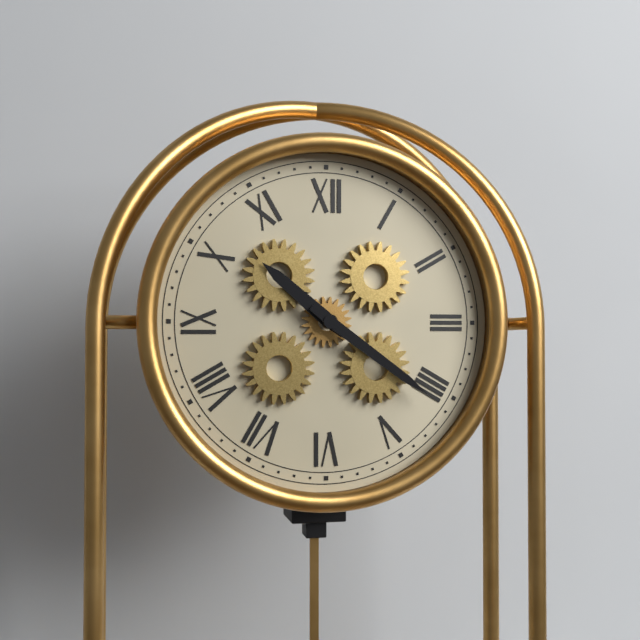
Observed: 10.21
